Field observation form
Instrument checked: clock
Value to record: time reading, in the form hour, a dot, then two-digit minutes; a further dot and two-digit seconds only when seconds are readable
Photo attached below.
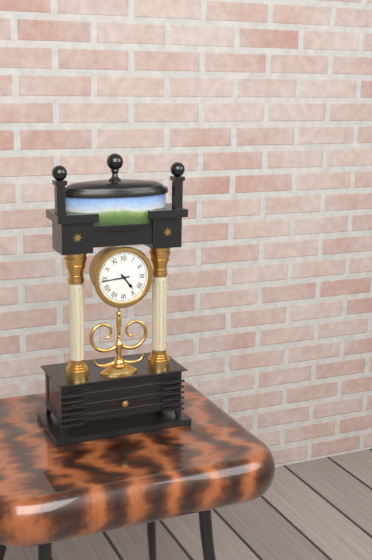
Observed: 4.44
